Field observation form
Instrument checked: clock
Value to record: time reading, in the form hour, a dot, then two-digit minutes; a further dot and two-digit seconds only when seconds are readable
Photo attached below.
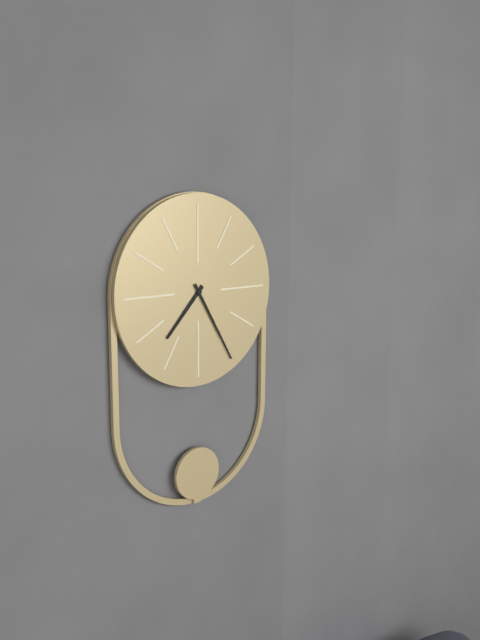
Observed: 7.25
